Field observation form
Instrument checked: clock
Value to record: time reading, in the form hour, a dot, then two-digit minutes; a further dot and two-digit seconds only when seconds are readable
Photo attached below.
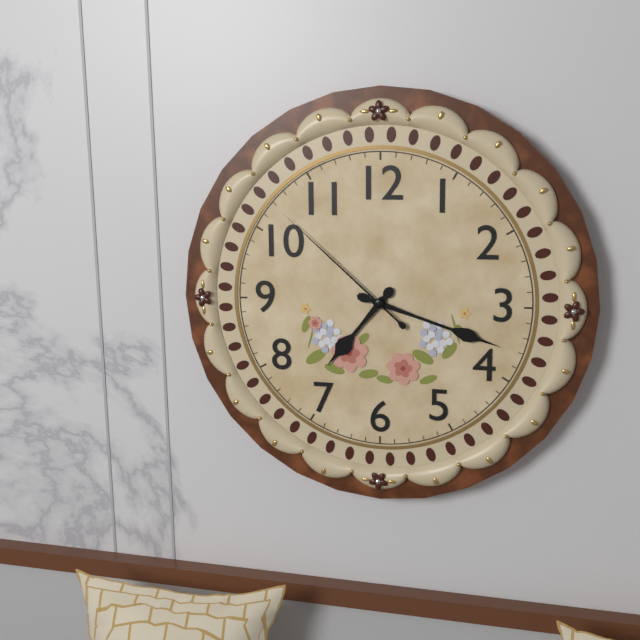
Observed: 7.18.52
